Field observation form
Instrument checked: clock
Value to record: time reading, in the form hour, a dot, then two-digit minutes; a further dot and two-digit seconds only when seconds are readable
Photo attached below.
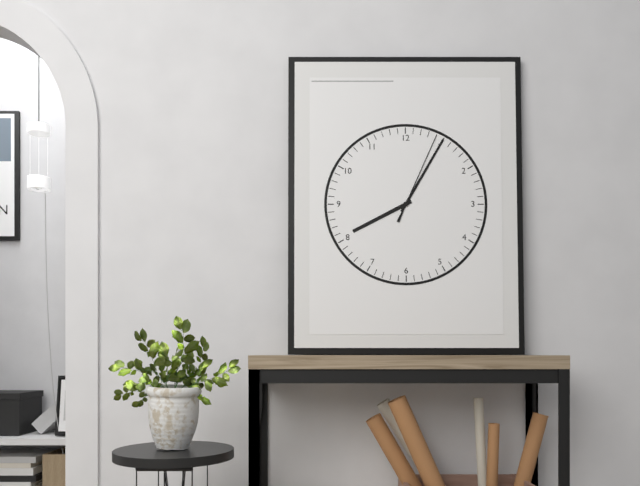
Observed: 8.05.04
